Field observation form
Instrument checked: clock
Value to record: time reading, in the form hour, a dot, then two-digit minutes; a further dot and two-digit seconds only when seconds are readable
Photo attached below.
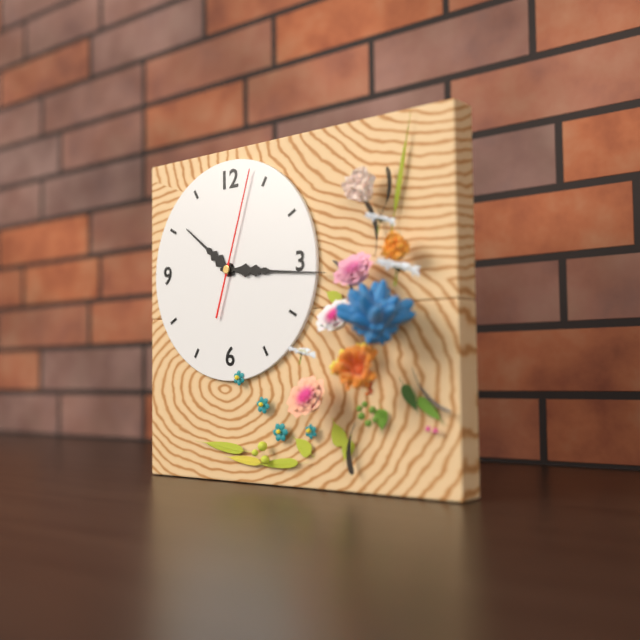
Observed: 10.16.03
